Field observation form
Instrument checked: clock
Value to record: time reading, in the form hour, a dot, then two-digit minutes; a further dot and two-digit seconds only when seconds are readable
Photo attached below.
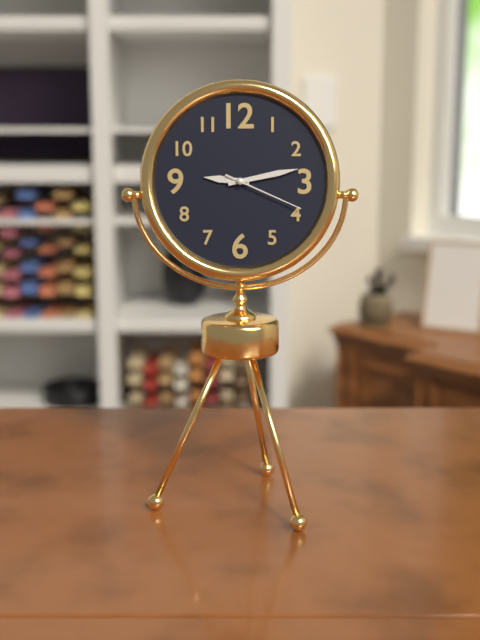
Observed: 9.13.19
